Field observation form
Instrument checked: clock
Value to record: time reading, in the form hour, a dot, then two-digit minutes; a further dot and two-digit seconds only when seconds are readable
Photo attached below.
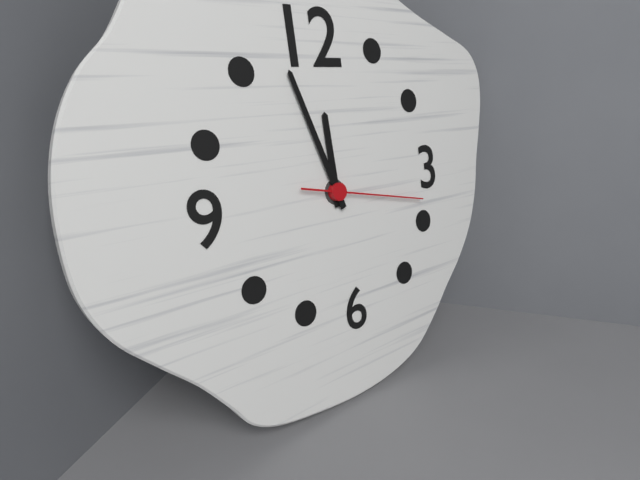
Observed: 11.57.17
